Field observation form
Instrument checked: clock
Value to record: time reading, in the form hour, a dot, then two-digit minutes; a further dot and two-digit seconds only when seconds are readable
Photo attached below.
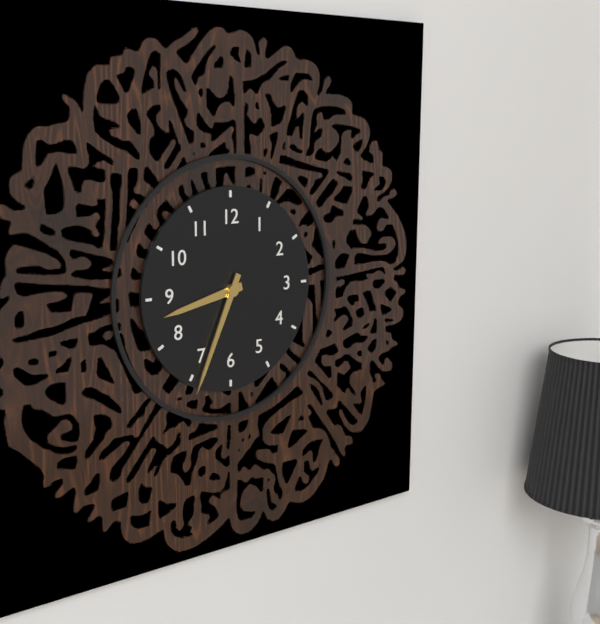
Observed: 8.34
